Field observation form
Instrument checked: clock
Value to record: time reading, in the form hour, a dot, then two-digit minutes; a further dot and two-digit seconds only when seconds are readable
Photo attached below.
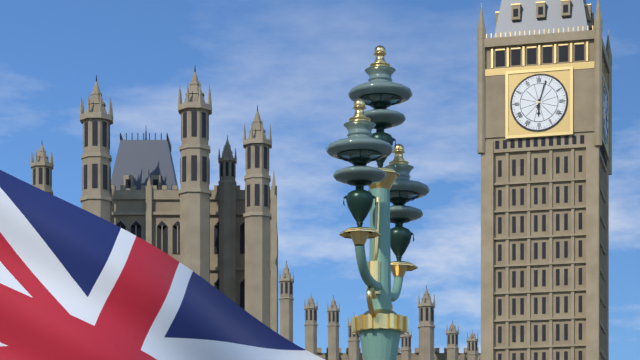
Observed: 6.03
